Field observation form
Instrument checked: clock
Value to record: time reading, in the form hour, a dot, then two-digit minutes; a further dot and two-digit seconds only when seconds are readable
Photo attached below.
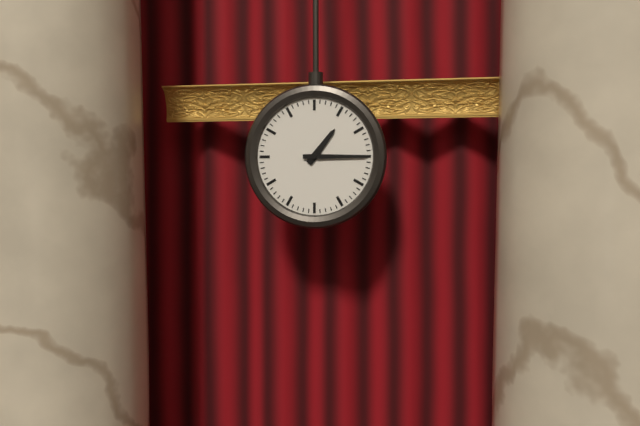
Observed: 1.15
